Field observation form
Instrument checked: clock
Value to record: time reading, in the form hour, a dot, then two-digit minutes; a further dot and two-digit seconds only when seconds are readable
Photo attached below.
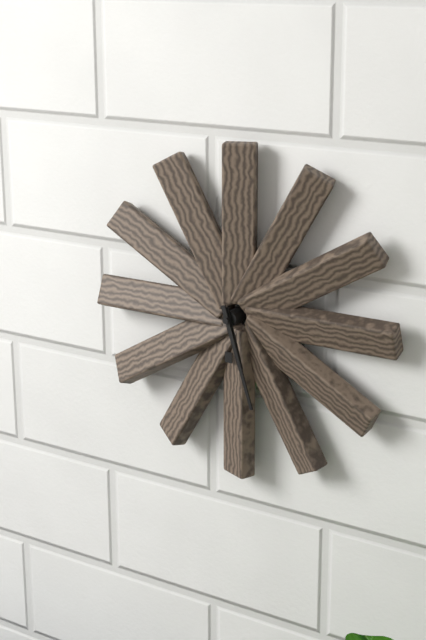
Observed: 5.27
